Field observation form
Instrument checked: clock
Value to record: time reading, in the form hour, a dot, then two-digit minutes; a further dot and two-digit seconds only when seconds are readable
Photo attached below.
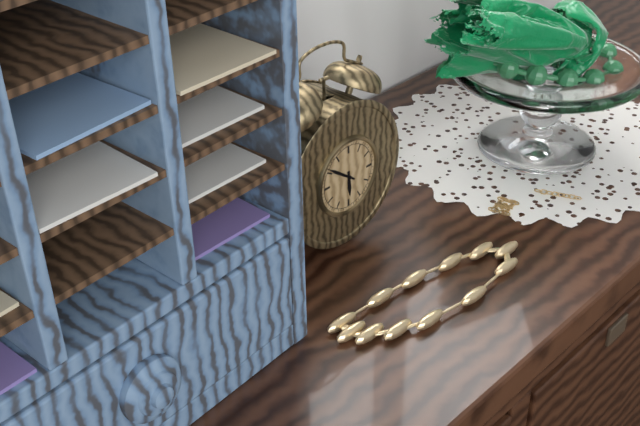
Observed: 5.51
